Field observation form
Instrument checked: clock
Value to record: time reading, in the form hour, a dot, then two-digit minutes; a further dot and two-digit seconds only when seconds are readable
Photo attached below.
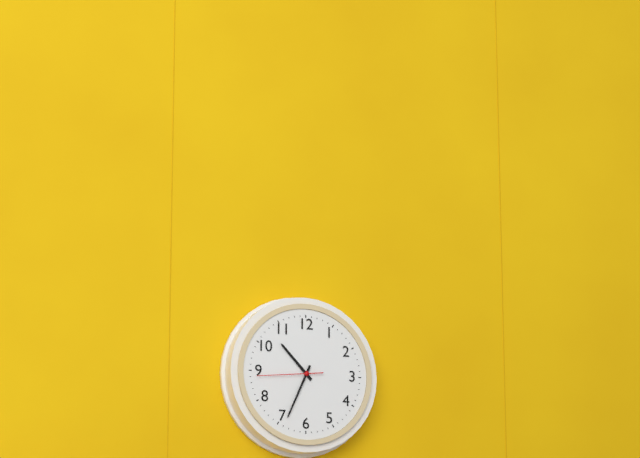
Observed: 10.34.44
